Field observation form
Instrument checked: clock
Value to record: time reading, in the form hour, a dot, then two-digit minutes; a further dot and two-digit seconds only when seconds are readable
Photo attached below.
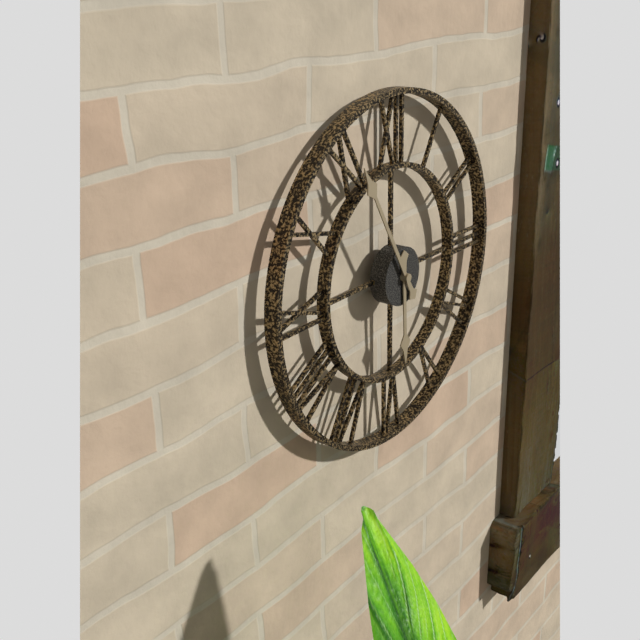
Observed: 5.55
